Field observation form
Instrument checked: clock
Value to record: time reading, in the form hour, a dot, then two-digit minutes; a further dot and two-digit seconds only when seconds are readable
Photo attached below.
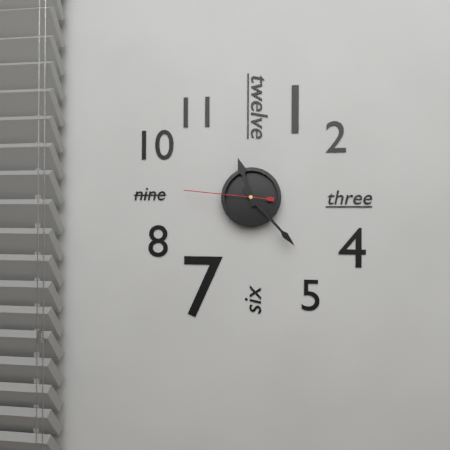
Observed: 11.23.46
